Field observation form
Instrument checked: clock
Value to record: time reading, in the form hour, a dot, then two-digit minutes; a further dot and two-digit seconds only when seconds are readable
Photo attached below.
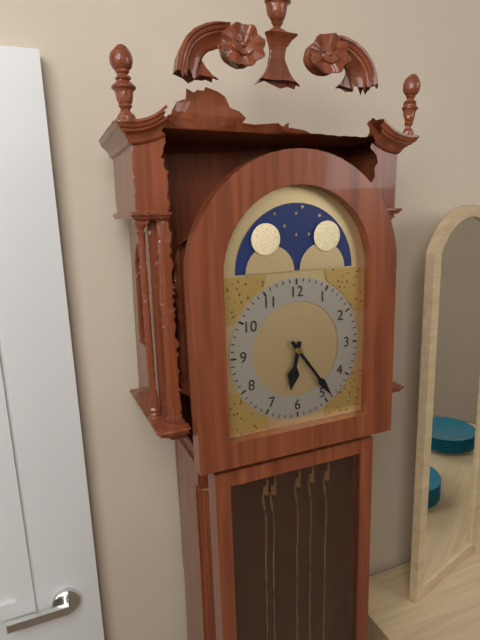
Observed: 6.24
